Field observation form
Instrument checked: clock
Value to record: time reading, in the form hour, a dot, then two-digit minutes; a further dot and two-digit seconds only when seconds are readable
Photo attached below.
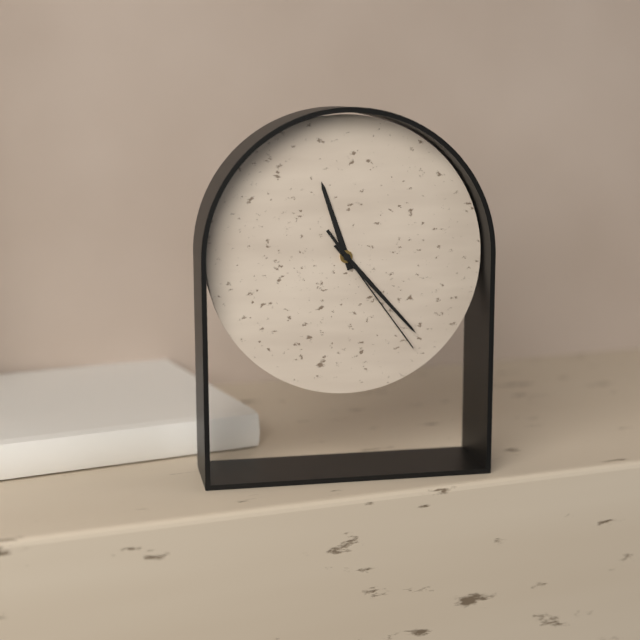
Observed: 11.23.24
